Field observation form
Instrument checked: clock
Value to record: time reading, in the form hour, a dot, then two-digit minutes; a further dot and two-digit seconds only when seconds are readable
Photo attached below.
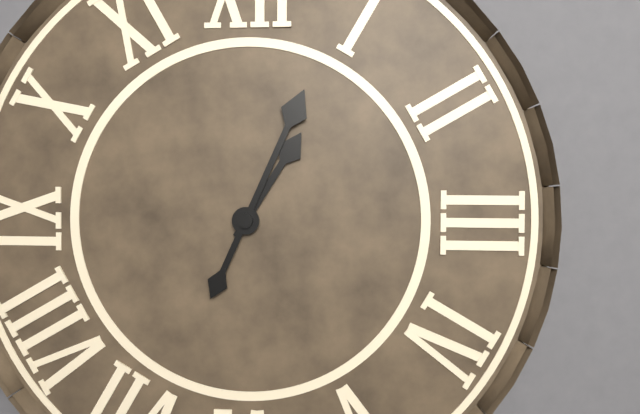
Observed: 1.04
